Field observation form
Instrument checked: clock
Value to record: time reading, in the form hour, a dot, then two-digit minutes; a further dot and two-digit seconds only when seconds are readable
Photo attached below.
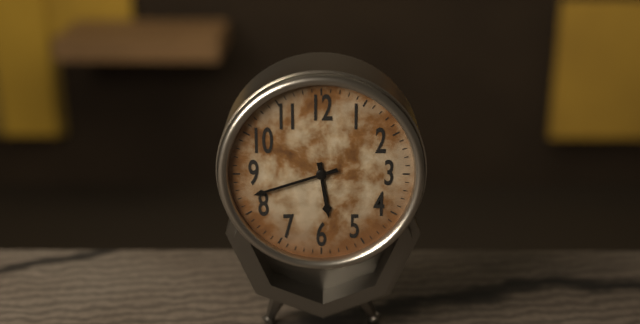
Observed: 5.42
